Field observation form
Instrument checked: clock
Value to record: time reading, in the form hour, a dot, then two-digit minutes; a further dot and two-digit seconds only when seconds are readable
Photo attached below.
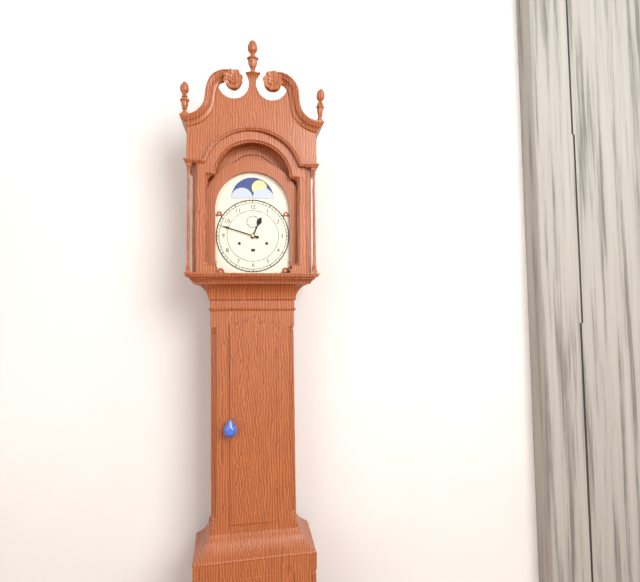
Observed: 12.48
